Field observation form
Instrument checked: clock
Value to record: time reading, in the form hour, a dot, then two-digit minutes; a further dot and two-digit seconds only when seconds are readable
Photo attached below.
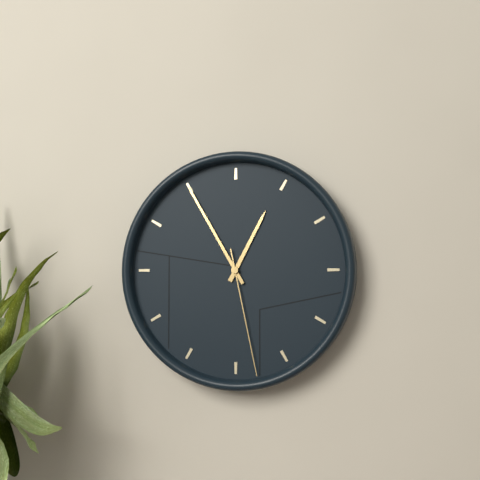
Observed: 12.55.28
